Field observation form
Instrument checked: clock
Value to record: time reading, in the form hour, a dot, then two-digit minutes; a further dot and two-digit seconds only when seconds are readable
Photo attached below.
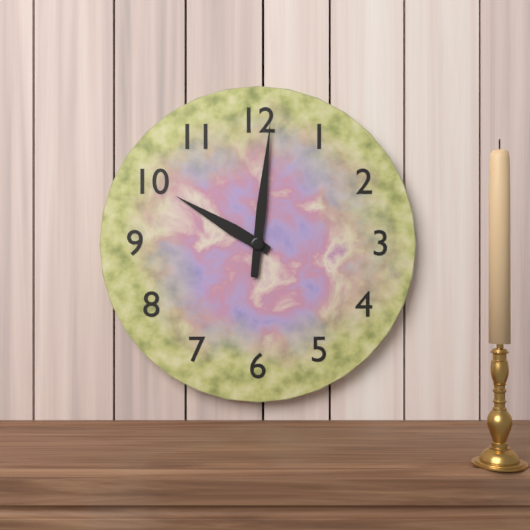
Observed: 10.01
